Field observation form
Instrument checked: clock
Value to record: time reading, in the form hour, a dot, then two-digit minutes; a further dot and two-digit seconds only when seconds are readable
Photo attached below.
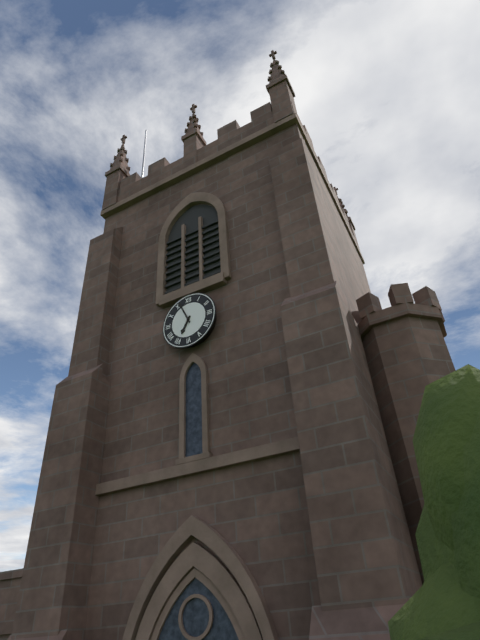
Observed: 6.56
